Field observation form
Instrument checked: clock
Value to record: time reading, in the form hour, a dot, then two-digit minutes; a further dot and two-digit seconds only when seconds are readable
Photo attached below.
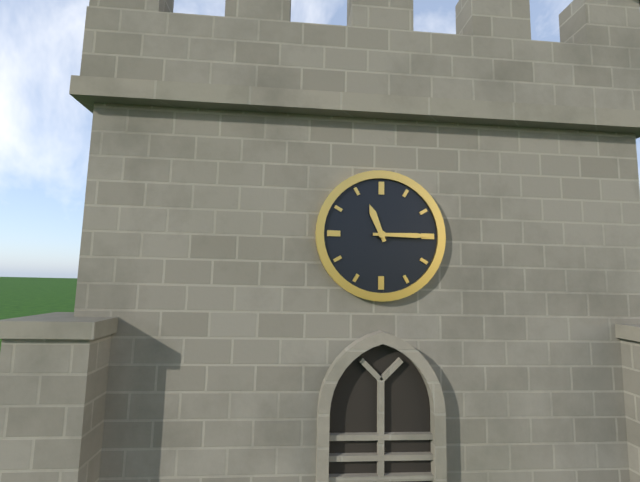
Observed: 11.15
